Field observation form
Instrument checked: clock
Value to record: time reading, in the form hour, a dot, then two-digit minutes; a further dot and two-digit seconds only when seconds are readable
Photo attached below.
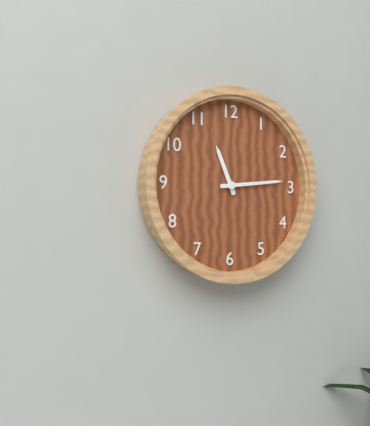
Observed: 11.14
